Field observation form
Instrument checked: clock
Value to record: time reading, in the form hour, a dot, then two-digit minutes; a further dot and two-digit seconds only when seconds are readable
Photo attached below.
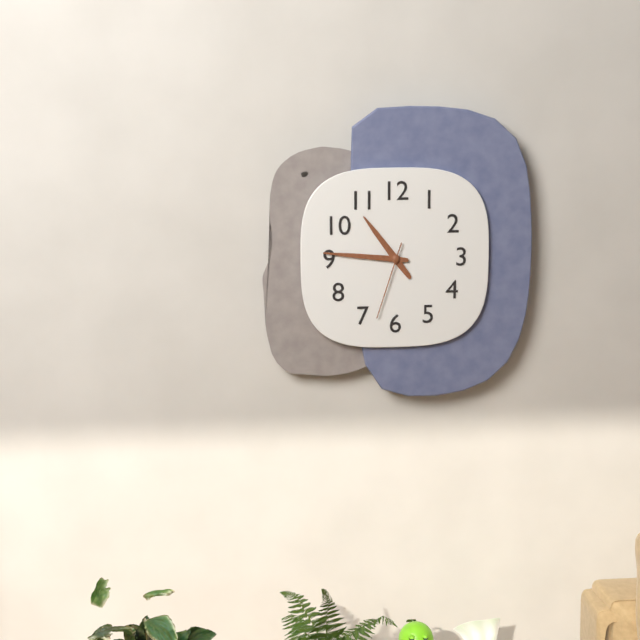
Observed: 10.46.33
